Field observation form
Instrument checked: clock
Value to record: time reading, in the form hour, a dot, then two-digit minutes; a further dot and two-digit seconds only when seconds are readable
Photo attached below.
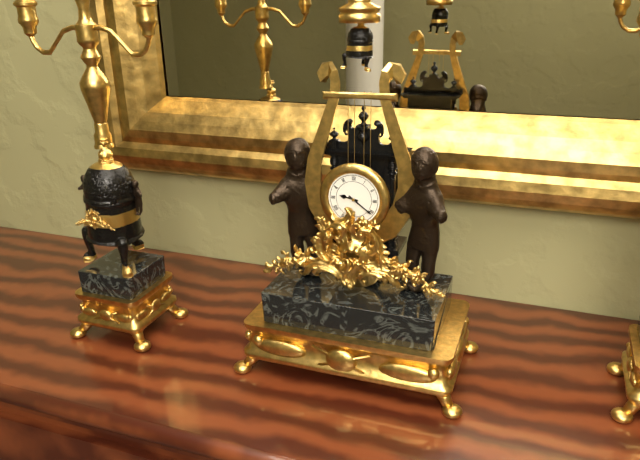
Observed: 9.21
